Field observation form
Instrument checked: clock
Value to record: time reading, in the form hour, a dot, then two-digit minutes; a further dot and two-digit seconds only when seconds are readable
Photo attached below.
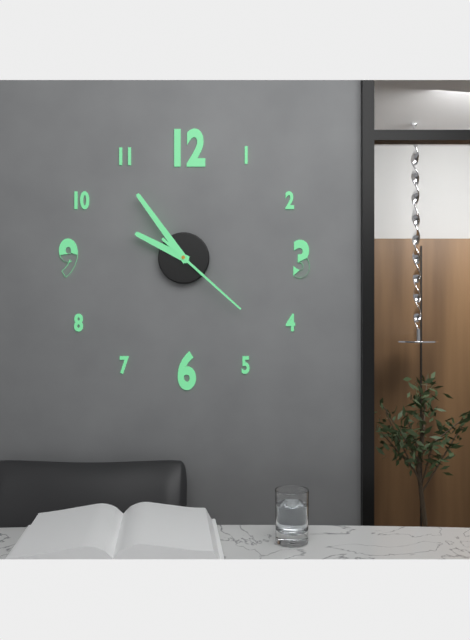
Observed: 9.54.22
